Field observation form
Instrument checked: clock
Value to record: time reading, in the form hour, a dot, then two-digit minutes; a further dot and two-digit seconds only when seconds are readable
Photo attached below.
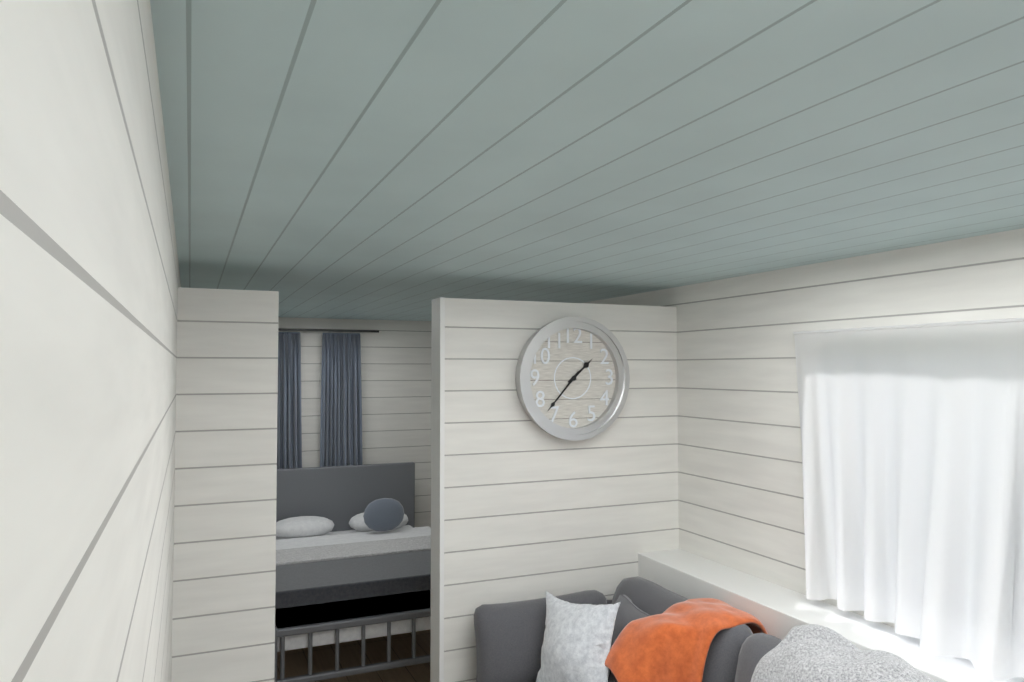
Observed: 1.37
